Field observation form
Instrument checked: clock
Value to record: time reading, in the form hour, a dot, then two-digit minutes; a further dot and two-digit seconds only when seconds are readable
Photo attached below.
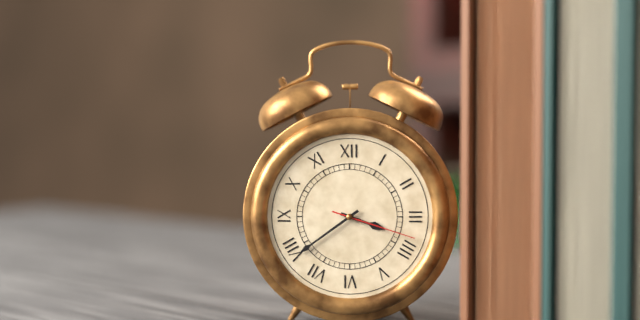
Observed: 3.39.18
